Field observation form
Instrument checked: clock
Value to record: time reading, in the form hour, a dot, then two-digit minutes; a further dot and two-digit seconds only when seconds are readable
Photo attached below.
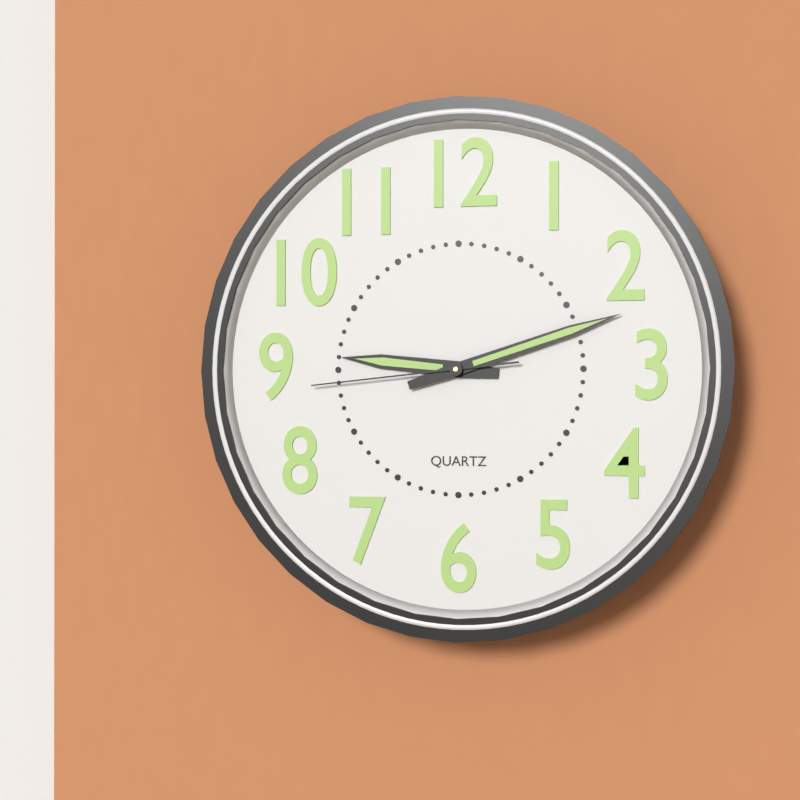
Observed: 9.12.44
